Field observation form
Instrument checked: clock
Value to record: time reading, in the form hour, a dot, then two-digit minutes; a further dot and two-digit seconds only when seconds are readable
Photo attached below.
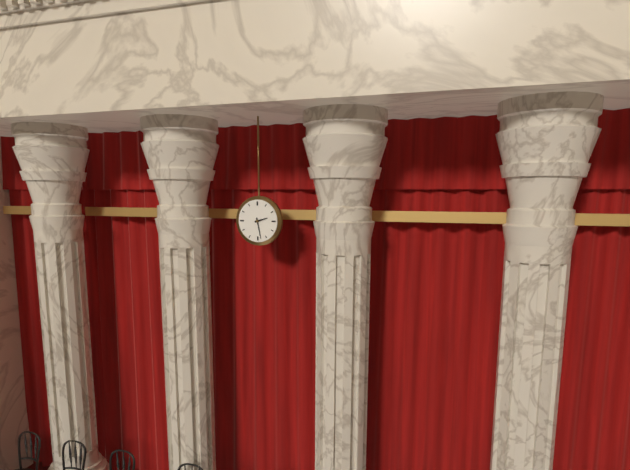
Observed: 2.28
